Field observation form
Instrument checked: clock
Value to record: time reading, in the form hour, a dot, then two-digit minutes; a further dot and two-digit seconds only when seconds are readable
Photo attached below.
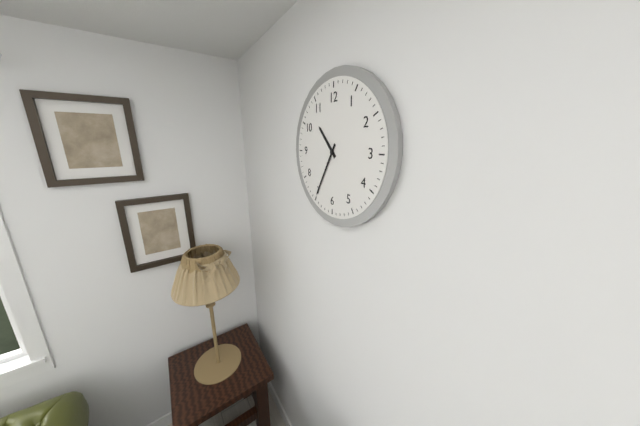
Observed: 10.35
